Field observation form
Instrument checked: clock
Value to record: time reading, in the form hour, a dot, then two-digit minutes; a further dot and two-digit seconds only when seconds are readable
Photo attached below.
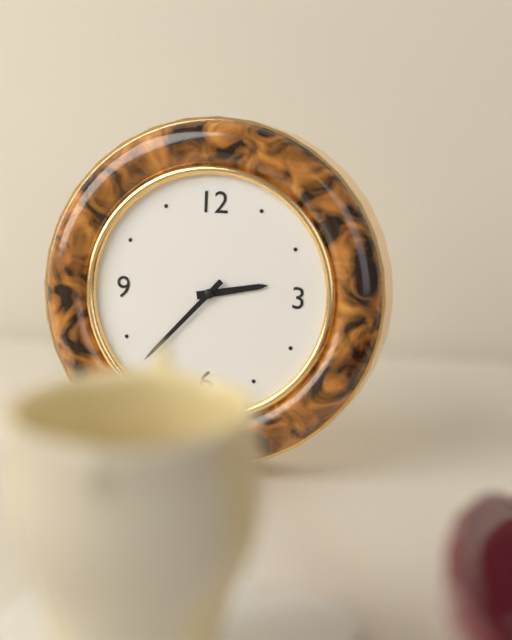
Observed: 2.37
